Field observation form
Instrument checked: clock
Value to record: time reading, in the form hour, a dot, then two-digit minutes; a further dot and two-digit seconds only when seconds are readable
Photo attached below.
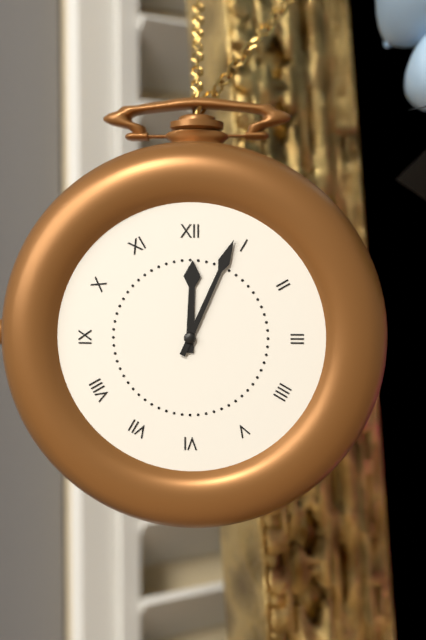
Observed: 12.04
